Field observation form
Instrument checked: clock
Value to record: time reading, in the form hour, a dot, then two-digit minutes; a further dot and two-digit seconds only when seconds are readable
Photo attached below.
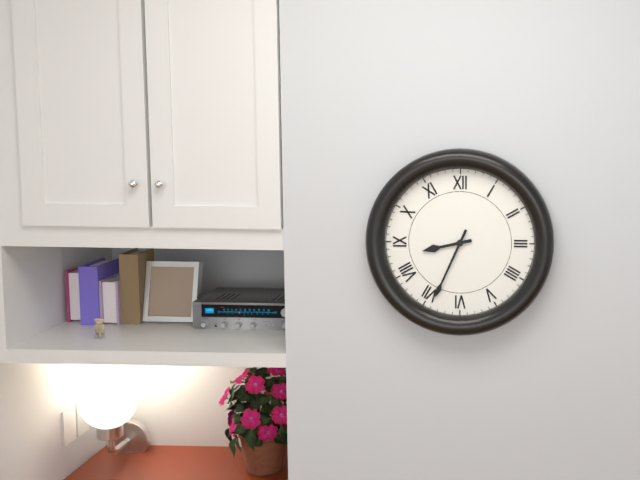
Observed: 8.34
